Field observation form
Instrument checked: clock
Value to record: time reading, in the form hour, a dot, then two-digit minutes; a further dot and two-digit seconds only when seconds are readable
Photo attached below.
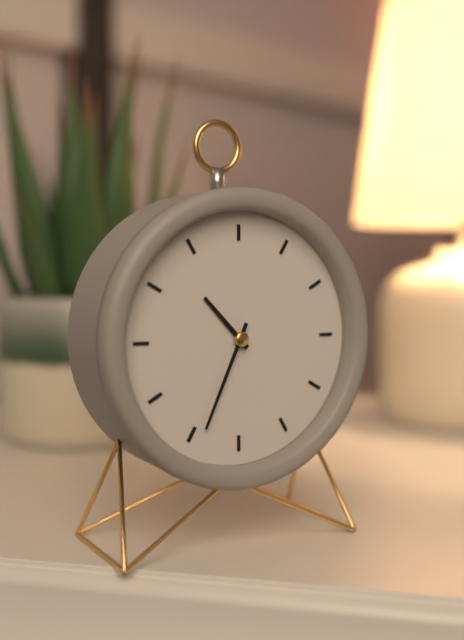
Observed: 10.34
